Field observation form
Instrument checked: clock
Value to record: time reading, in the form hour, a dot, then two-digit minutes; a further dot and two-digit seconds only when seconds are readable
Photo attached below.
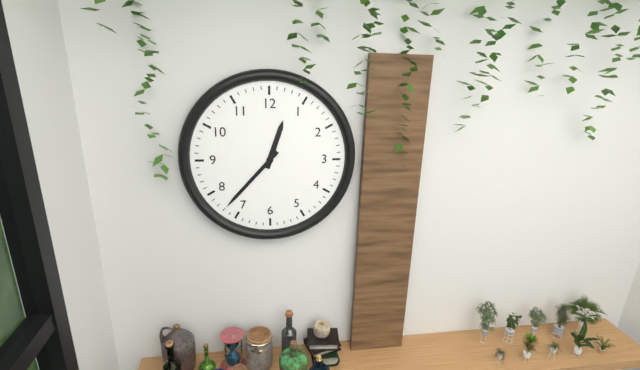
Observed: 12.37
